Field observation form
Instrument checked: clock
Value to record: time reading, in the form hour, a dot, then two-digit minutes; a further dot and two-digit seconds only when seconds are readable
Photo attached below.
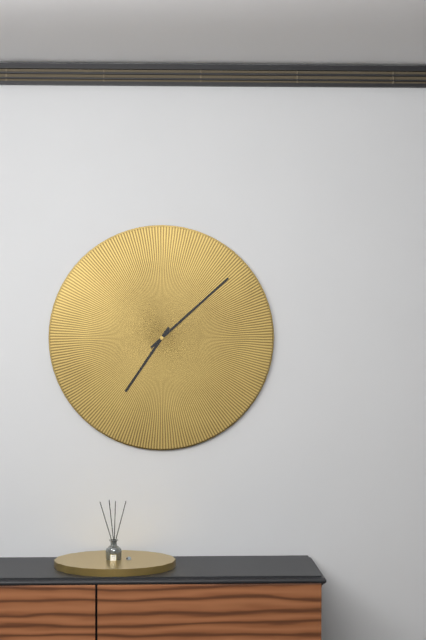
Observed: 7.08
